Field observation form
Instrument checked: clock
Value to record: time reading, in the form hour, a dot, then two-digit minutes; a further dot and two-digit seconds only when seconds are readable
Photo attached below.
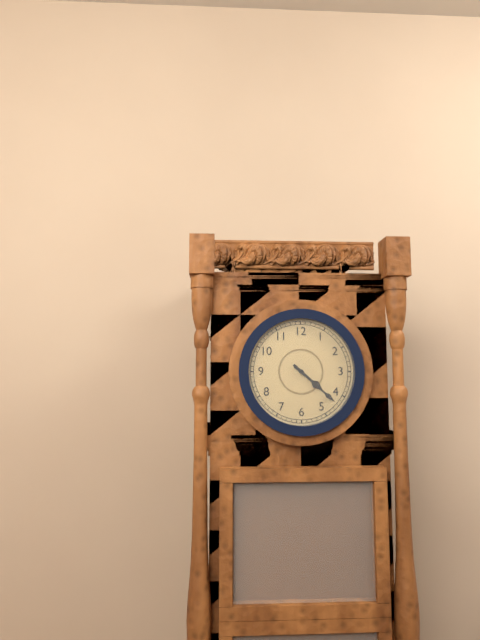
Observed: 4.22
